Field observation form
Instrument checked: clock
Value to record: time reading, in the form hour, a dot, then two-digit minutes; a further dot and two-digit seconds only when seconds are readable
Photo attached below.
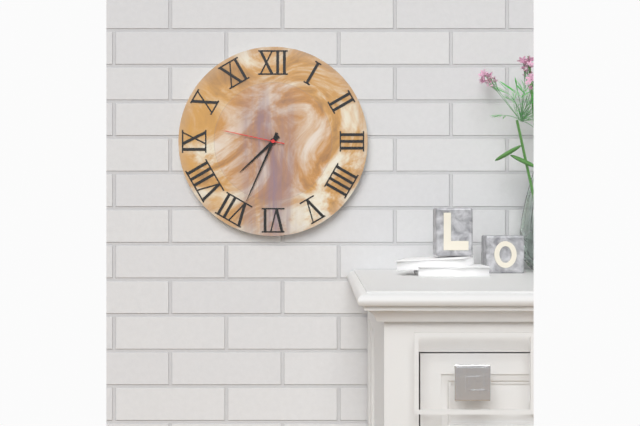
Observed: 7.34.47
